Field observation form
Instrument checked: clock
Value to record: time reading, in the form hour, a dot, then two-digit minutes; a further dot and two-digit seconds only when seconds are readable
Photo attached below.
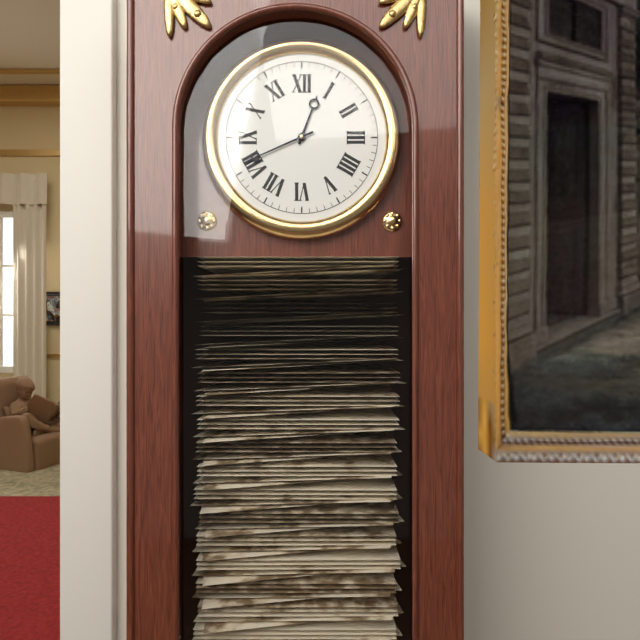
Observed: 12.41
